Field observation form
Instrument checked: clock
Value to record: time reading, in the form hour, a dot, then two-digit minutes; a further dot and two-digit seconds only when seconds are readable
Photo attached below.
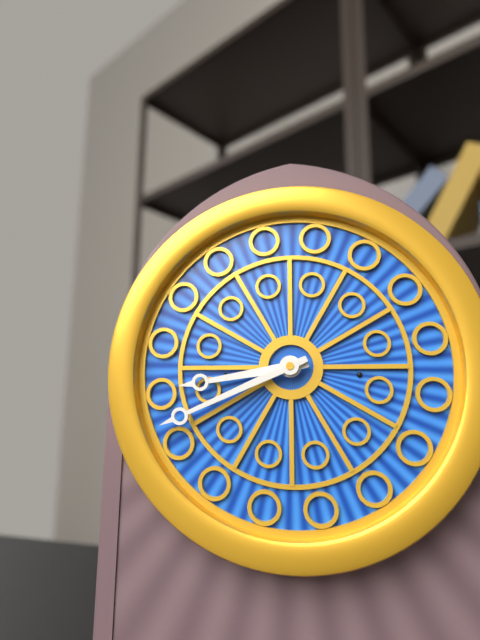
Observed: 8.41
